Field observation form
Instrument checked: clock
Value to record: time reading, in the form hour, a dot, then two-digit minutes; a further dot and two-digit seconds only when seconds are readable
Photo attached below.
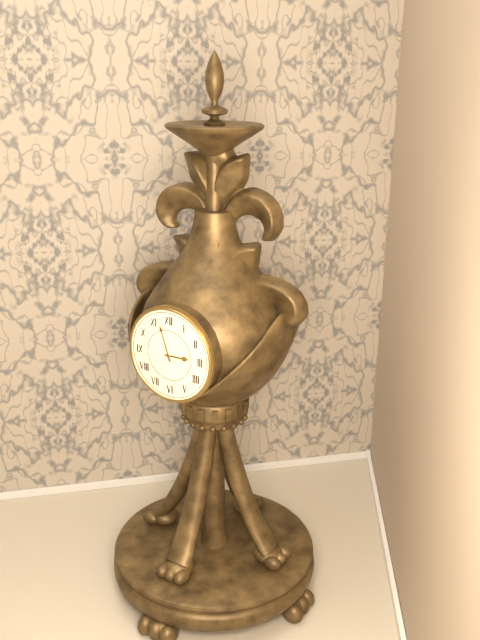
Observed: 2.57
